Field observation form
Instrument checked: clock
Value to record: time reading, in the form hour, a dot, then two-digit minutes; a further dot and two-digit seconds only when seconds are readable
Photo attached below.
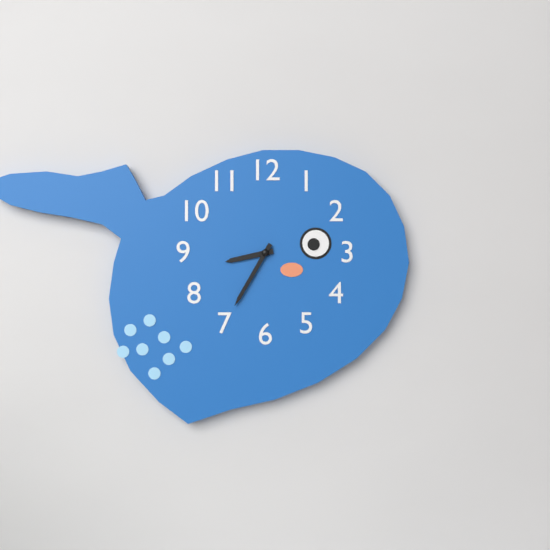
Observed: 8.35
